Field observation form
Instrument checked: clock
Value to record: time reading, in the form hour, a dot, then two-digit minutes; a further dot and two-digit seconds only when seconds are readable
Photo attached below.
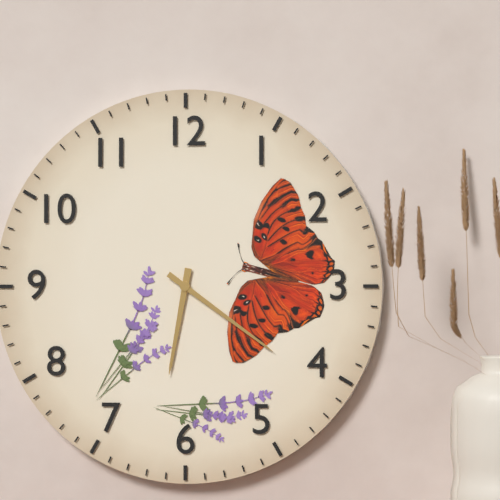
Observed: 6.21
